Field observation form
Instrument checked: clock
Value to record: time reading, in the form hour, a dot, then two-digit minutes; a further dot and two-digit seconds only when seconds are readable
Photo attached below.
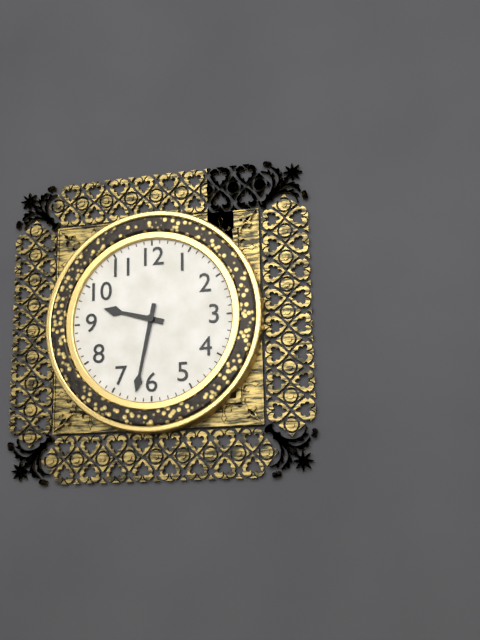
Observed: 9.32
